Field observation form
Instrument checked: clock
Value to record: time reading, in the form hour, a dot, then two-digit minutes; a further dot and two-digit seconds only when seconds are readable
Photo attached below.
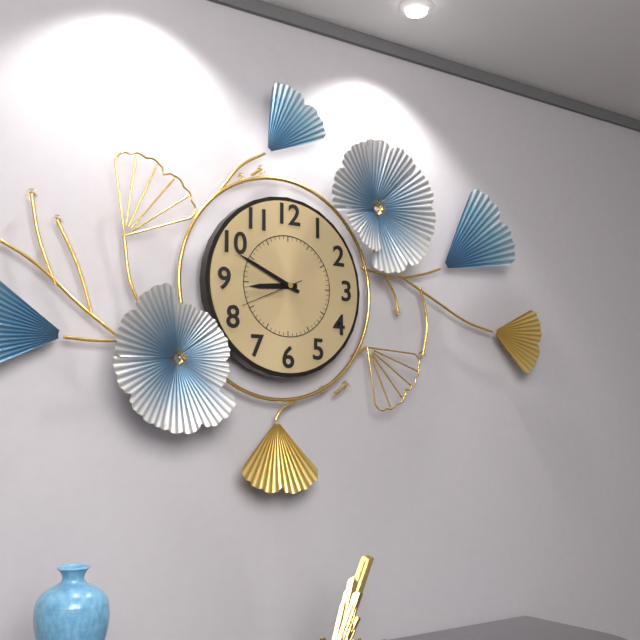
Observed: 8.49.41
